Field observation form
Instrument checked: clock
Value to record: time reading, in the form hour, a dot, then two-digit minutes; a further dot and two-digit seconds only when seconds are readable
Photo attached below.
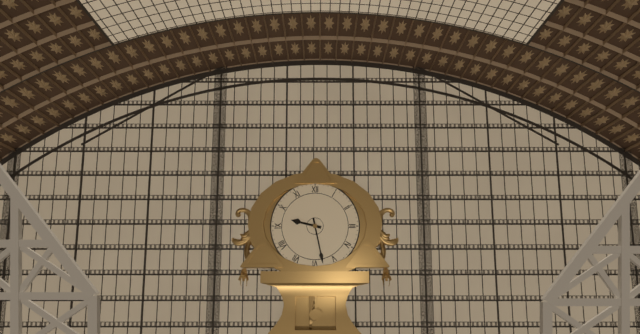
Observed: 9.28
